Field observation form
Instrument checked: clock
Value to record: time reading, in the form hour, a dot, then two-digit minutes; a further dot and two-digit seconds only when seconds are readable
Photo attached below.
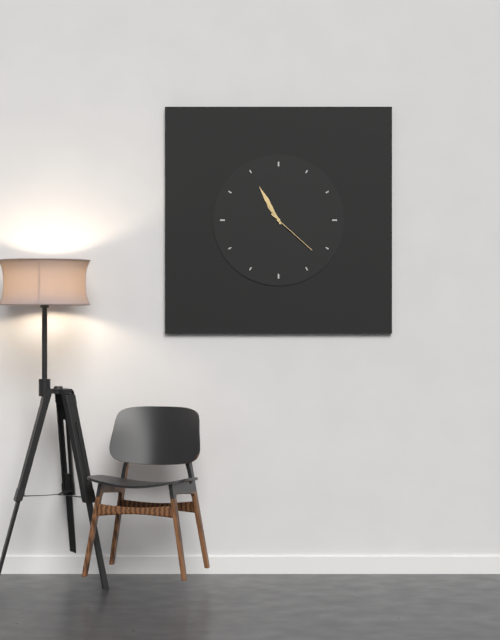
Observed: 10.55.22
